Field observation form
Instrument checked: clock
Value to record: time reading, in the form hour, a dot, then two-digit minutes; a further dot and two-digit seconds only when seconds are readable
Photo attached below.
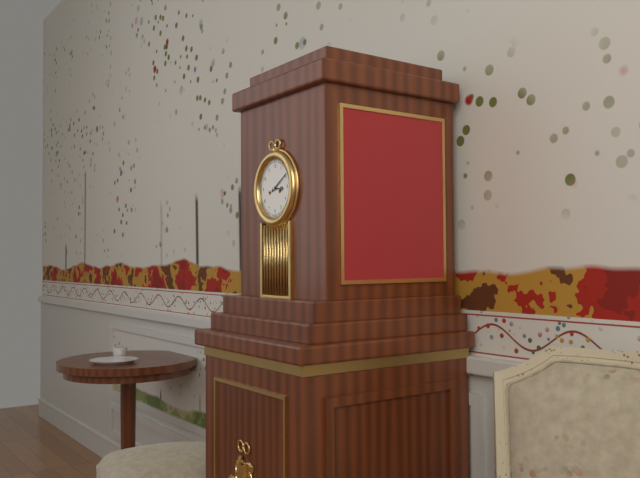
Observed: 3.10
